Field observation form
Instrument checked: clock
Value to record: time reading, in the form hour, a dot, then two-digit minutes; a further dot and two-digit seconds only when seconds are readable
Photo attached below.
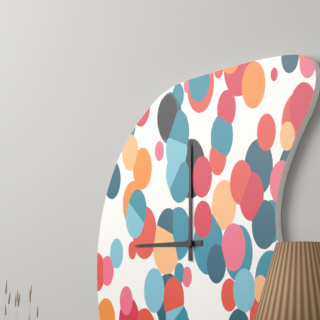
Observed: 9.00
